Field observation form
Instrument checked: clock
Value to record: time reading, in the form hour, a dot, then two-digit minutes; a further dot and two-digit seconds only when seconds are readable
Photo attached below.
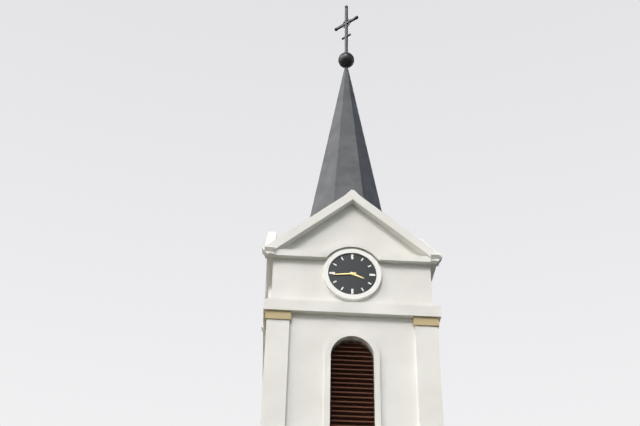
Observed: 3.44
